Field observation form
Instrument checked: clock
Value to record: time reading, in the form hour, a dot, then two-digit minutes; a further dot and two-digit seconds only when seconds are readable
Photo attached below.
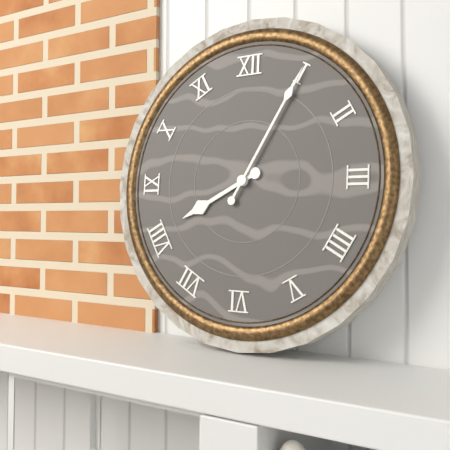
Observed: 8.05
